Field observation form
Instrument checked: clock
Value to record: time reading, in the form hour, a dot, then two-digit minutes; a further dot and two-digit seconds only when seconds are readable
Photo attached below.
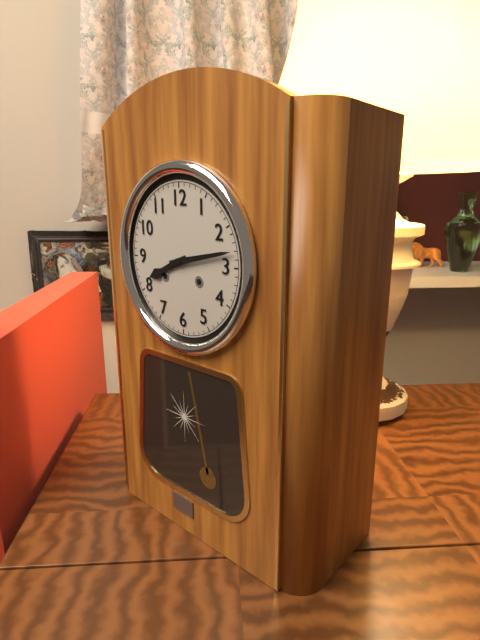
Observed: 8.13
